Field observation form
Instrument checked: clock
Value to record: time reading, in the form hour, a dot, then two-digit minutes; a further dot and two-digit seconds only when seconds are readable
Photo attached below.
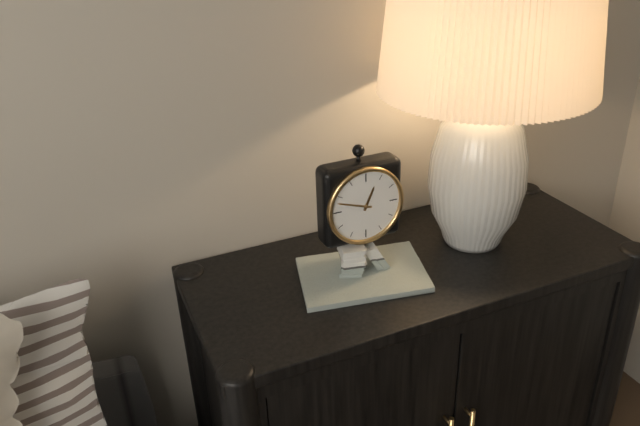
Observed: 12.48
